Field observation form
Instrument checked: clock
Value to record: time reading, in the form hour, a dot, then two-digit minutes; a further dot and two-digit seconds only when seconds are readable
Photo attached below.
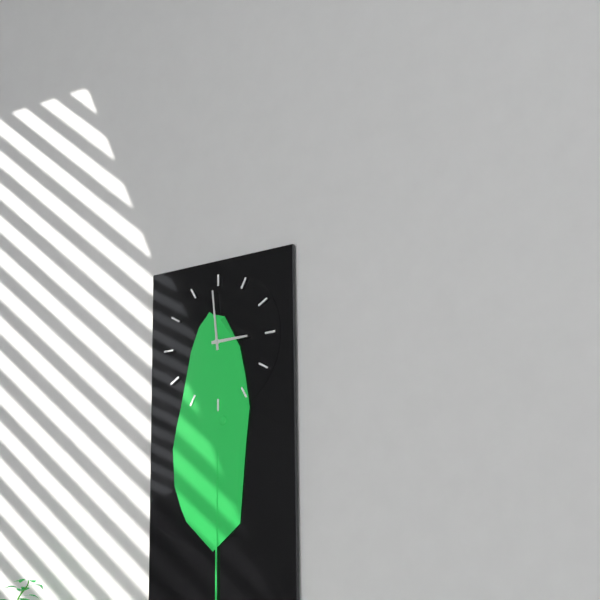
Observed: 2.59
